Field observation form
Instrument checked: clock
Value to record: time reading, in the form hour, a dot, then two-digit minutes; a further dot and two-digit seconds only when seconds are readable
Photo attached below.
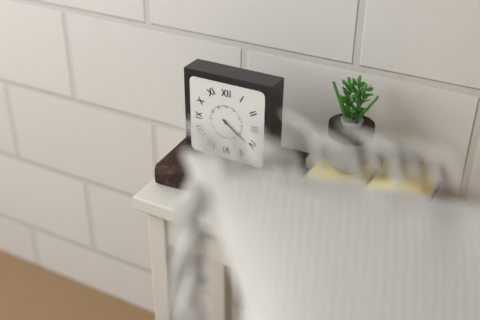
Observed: 4.21
